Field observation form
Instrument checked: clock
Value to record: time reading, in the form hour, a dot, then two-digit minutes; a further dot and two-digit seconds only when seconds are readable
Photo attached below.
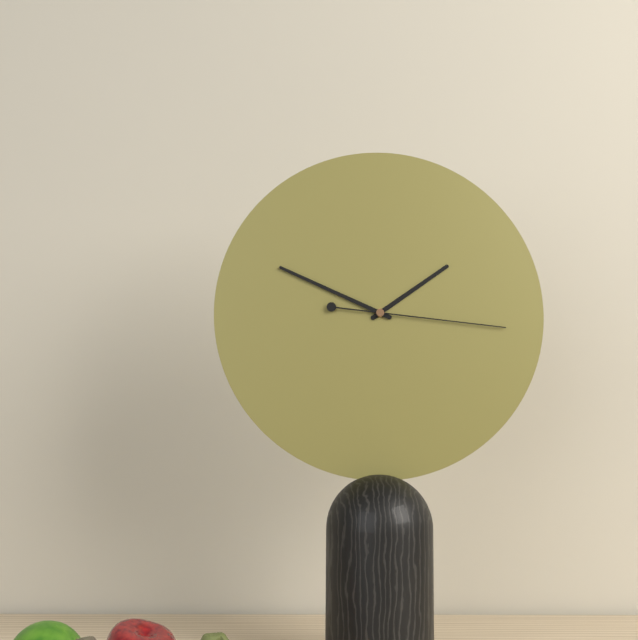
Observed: 1.49.16
